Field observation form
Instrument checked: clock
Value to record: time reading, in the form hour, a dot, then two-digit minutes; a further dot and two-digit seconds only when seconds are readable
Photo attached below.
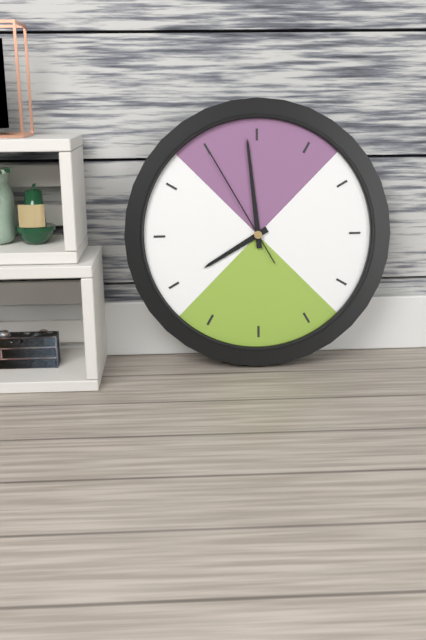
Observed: 7.59.55
